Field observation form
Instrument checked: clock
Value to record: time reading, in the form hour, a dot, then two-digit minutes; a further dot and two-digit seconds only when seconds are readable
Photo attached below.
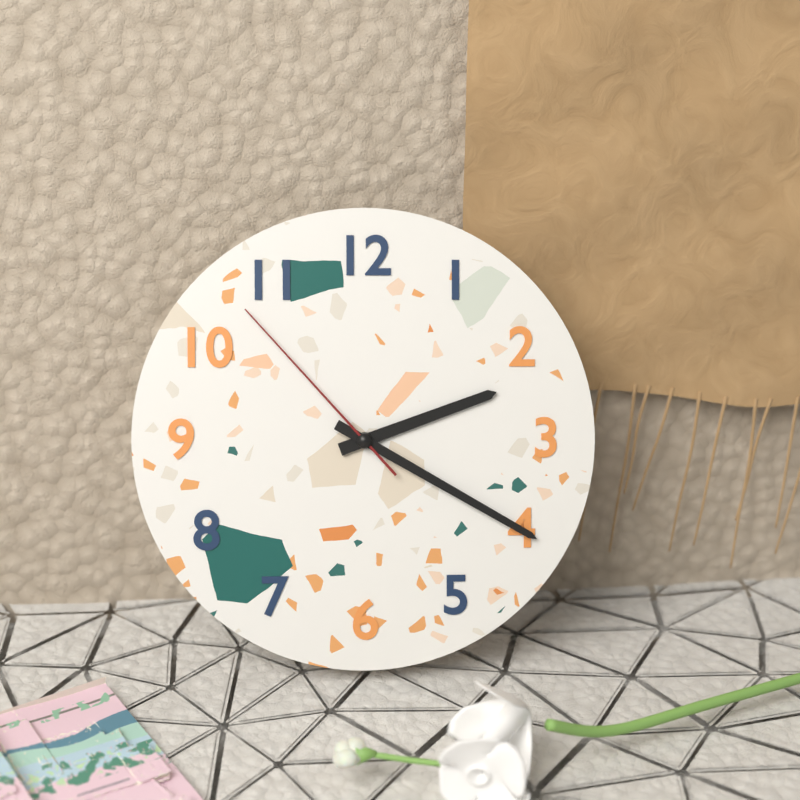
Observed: 2.20.53
